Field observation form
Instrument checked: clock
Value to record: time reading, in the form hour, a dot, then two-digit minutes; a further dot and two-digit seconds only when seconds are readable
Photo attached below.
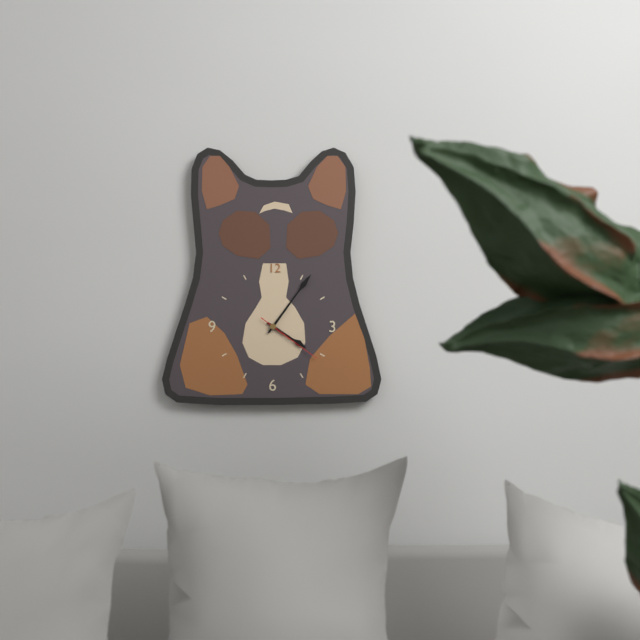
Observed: 4.06.21
